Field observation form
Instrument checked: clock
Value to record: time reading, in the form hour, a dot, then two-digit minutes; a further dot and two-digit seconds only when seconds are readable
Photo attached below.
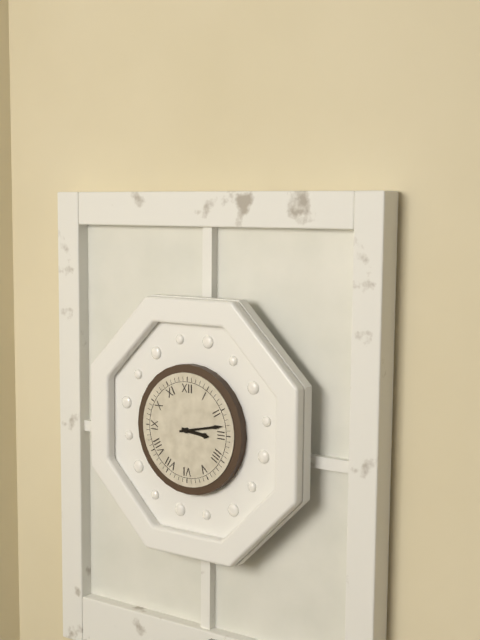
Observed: 3.13
